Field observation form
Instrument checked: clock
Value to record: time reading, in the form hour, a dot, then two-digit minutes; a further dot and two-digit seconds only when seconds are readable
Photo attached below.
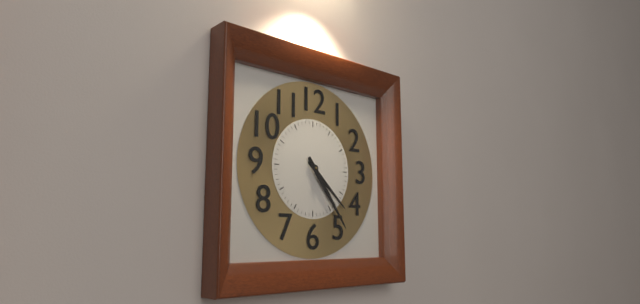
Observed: 4.24
